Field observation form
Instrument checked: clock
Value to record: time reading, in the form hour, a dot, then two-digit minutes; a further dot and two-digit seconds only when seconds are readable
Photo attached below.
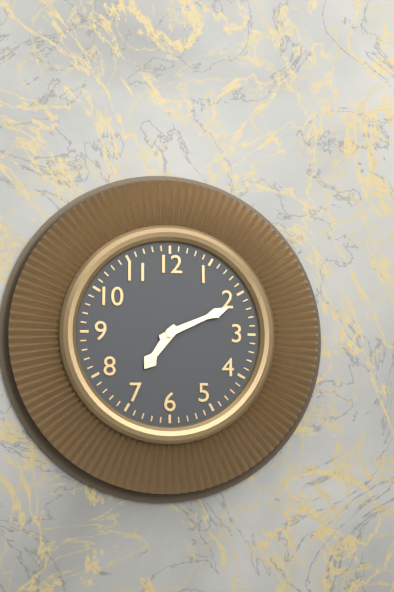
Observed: 7.11
